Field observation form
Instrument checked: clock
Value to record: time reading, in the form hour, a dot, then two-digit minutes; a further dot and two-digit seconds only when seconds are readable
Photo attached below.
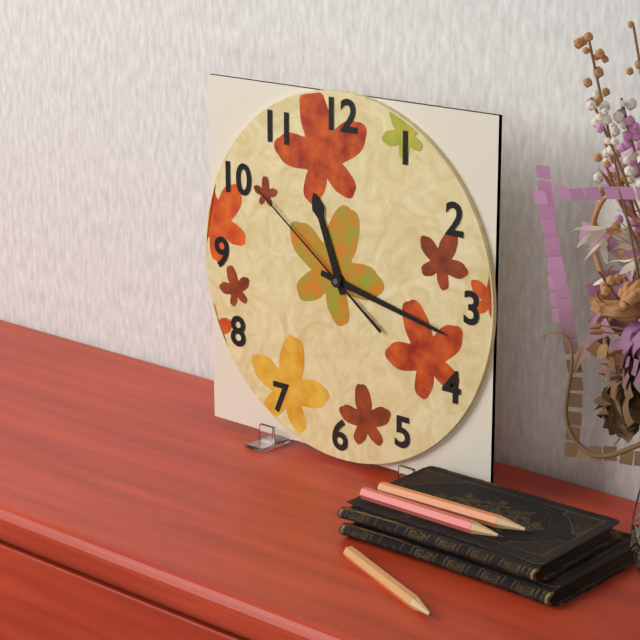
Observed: 11.17.51
